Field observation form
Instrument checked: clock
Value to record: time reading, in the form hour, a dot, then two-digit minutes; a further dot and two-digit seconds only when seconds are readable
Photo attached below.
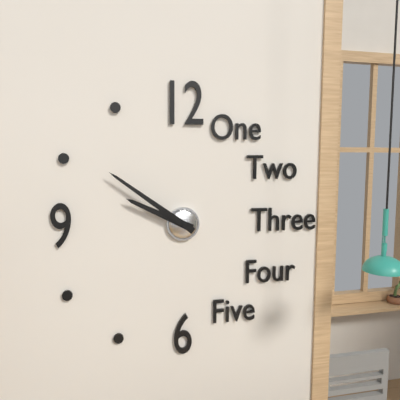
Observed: 9.51
